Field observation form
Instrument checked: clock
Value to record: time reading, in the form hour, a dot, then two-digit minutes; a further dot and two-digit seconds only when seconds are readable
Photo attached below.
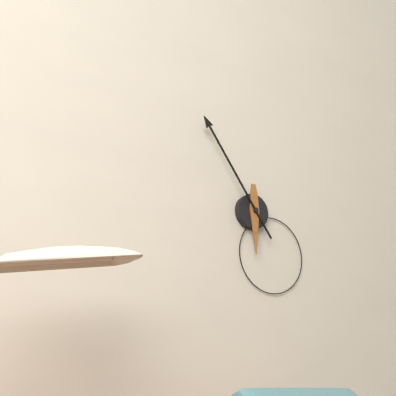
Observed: 5.54
